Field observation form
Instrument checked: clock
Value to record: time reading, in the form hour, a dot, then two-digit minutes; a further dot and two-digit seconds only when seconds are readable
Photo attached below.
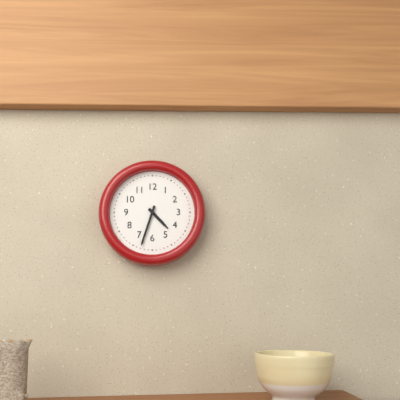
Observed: 4.33
